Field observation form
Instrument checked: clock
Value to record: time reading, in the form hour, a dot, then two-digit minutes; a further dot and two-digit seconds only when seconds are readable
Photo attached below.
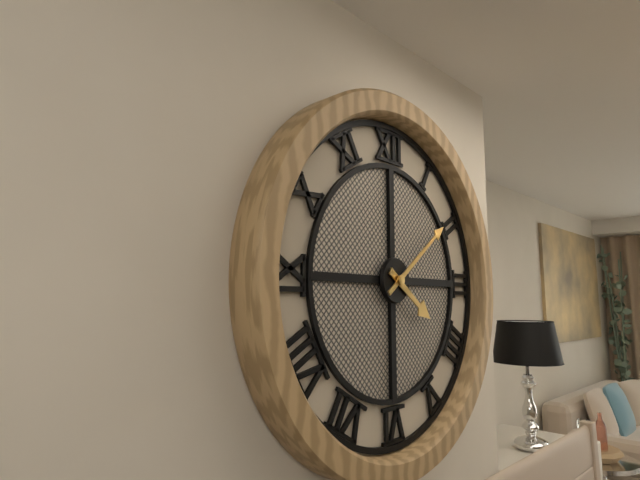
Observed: 4.09
